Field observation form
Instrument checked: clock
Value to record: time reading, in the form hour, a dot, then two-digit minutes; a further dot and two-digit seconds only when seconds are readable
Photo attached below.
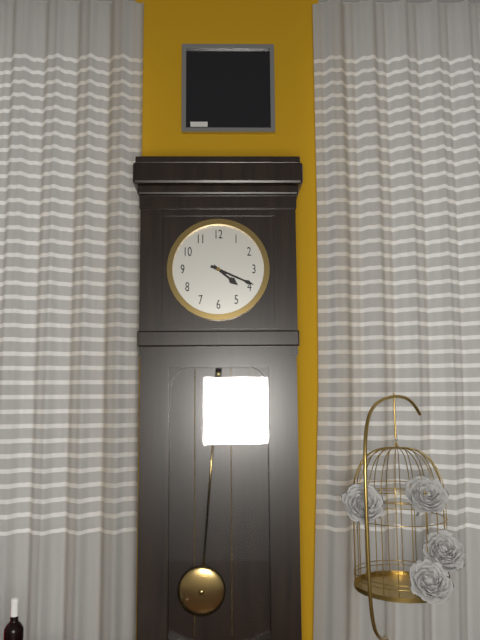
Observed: 4.19
